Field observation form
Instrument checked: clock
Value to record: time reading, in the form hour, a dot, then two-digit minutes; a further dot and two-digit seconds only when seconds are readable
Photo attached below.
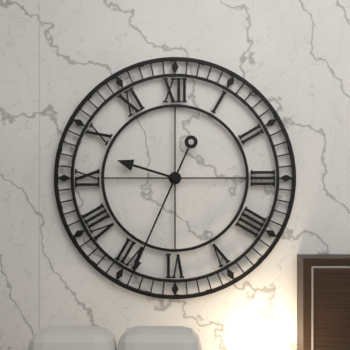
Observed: 9.34
